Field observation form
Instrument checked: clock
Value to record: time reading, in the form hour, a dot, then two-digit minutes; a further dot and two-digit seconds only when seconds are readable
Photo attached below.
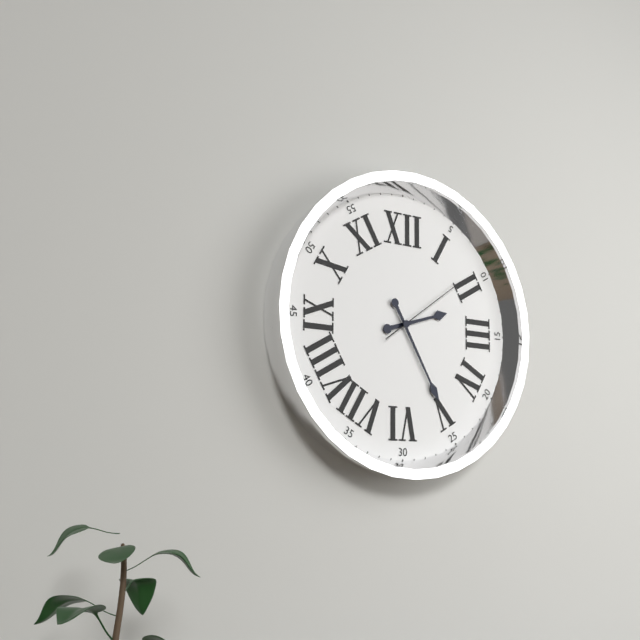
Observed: 2.25.09
